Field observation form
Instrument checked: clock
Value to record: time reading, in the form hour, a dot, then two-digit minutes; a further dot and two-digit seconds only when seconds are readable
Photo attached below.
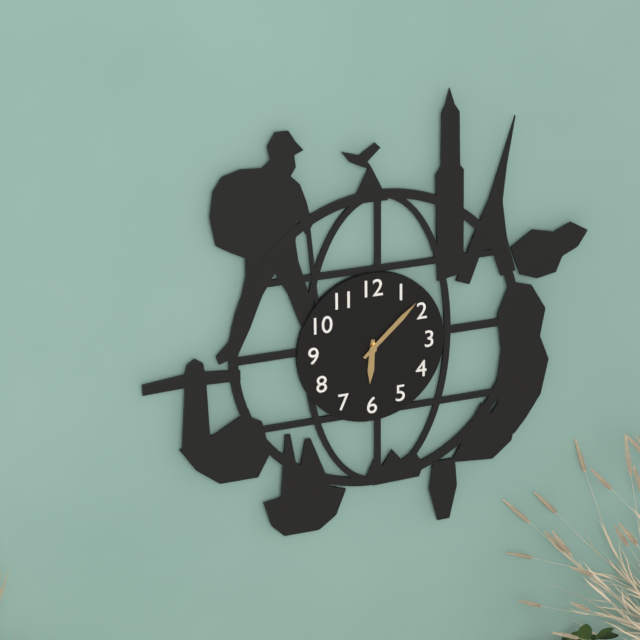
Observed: 6.08
